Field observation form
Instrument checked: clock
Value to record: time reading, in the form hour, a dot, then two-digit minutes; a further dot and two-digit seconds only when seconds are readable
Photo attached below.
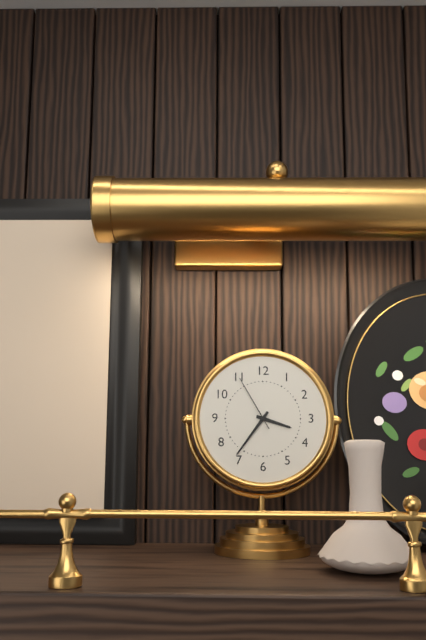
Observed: 3.36.55
